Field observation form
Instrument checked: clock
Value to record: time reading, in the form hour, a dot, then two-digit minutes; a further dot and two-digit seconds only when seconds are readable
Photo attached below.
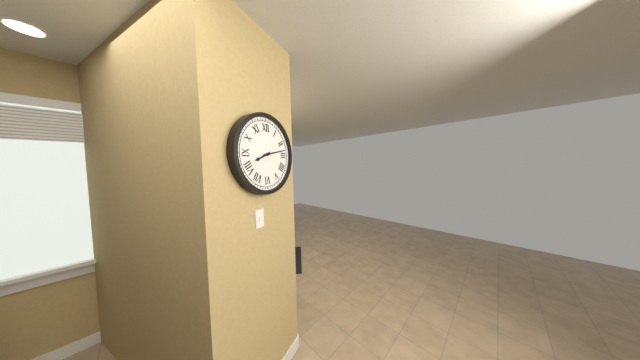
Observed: 8.13
